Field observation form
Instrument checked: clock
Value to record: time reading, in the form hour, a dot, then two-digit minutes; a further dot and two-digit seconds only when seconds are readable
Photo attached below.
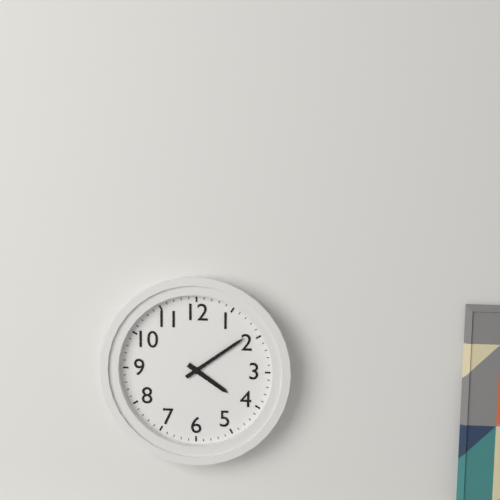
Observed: 4.09
